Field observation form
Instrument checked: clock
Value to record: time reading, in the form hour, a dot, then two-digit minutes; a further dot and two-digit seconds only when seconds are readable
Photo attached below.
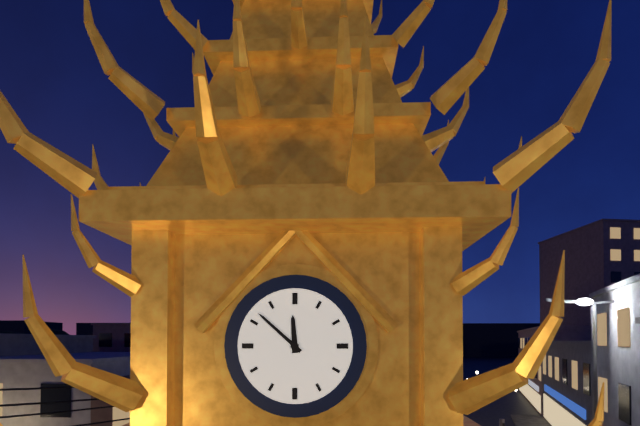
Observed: 11.52
